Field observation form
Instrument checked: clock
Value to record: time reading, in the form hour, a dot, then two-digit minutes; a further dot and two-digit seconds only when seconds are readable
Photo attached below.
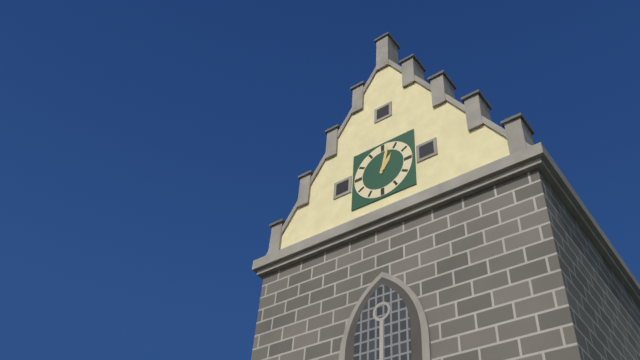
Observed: 1.02
